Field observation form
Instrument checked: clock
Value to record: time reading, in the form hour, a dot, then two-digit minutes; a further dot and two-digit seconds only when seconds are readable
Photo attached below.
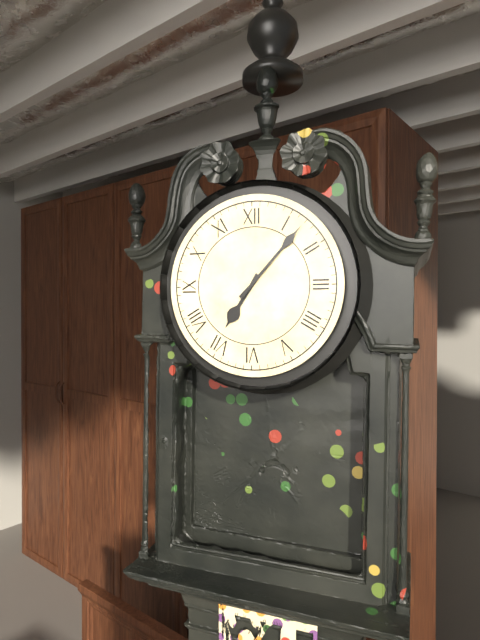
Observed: 7.07
